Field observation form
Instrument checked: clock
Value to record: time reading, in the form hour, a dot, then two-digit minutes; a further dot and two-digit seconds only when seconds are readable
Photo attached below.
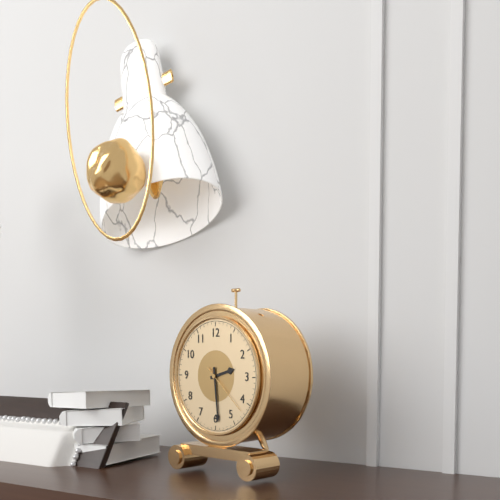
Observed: 2.29.22
